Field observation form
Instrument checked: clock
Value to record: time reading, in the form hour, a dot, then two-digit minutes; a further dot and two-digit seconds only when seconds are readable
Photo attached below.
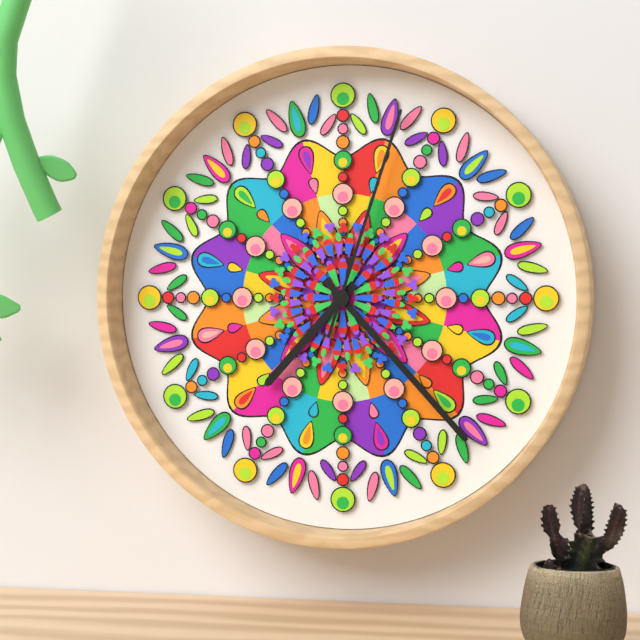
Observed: 7.23.03
